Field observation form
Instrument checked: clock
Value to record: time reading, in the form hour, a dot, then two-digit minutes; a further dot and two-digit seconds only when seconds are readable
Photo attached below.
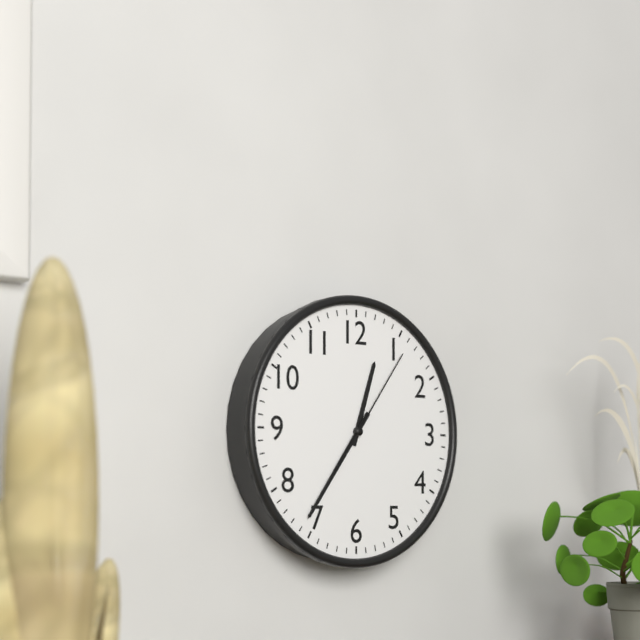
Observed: 12.36.06
